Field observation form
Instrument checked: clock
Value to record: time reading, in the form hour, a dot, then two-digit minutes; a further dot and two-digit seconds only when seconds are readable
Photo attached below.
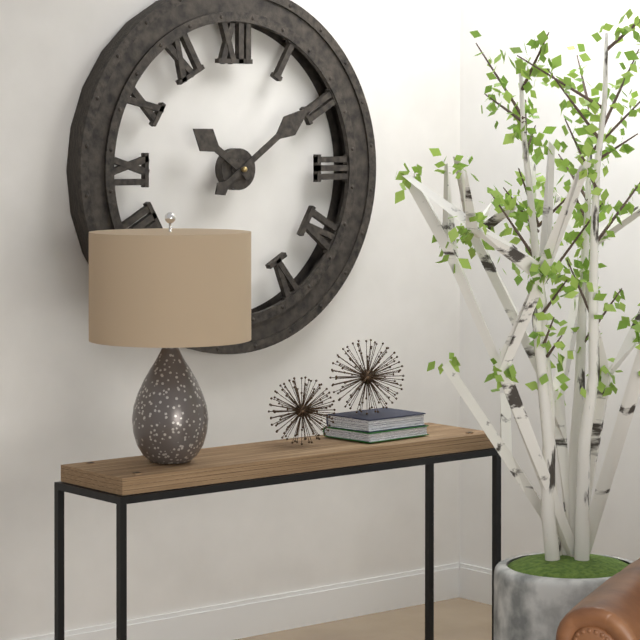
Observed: 10.09
